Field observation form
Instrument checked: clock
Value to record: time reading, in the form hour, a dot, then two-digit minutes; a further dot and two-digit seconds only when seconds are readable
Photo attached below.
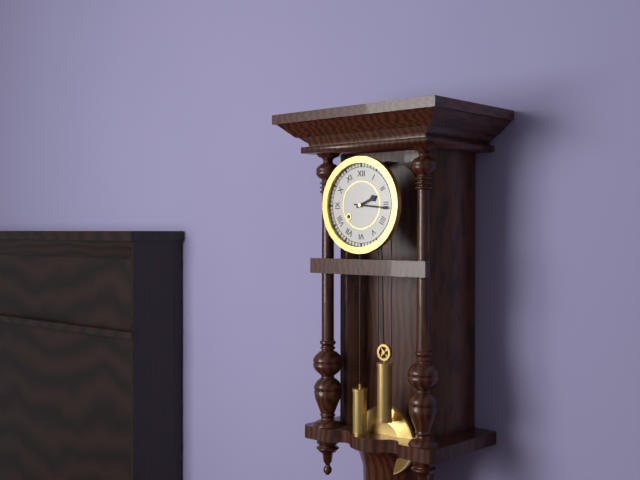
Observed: 2.16
